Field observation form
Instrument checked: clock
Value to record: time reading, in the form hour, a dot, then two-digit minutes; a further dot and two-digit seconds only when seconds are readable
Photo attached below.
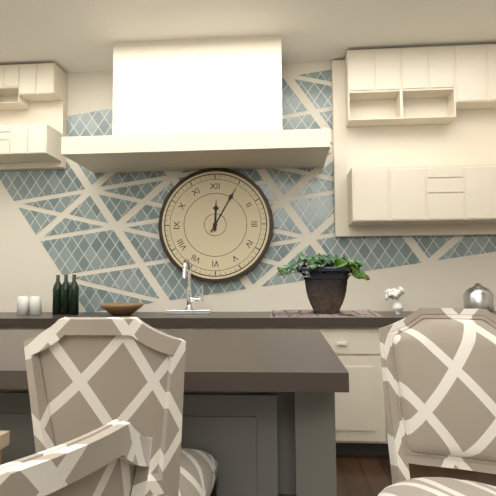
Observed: 12.05
